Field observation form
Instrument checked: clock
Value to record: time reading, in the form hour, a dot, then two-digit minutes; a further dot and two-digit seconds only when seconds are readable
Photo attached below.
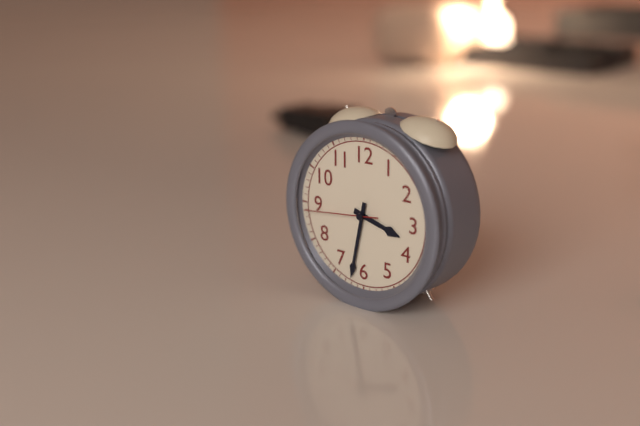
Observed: 3.32.44
